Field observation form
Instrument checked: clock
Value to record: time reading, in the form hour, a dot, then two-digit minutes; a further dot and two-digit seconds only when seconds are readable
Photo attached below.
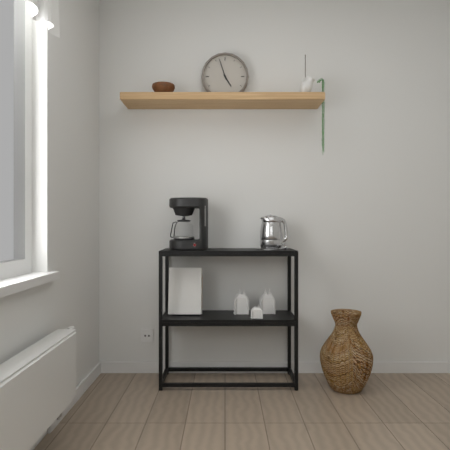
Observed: 4.57
